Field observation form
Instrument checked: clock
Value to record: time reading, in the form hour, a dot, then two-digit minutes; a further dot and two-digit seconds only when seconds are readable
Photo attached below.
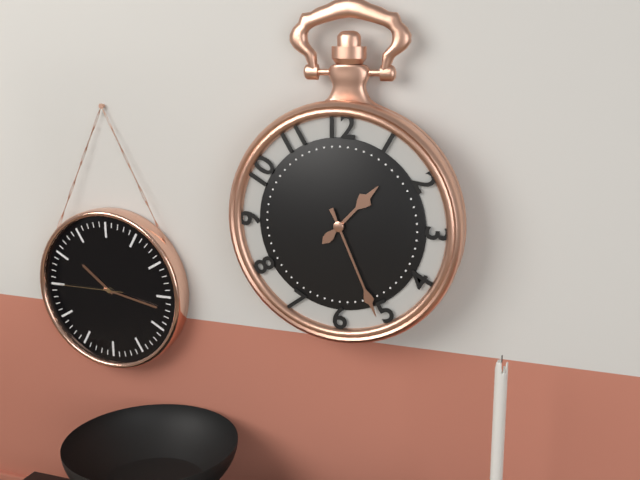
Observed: 1.26
